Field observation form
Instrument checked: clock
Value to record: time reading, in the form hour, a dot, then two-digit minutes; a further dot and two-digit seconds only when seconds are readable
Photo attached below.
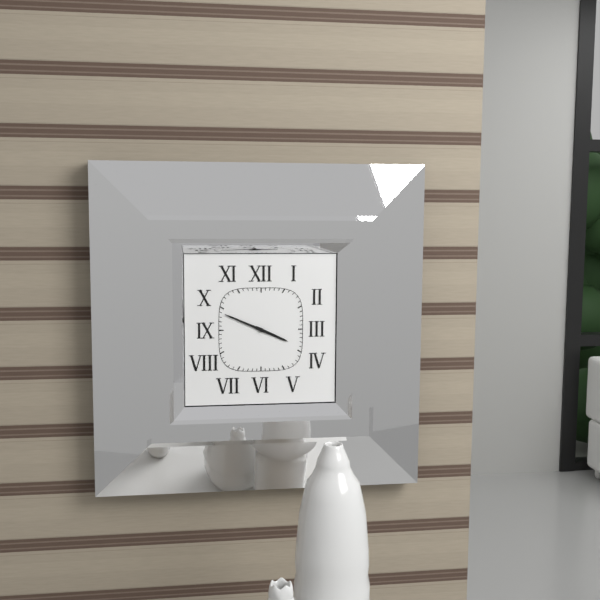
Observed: 3.49
